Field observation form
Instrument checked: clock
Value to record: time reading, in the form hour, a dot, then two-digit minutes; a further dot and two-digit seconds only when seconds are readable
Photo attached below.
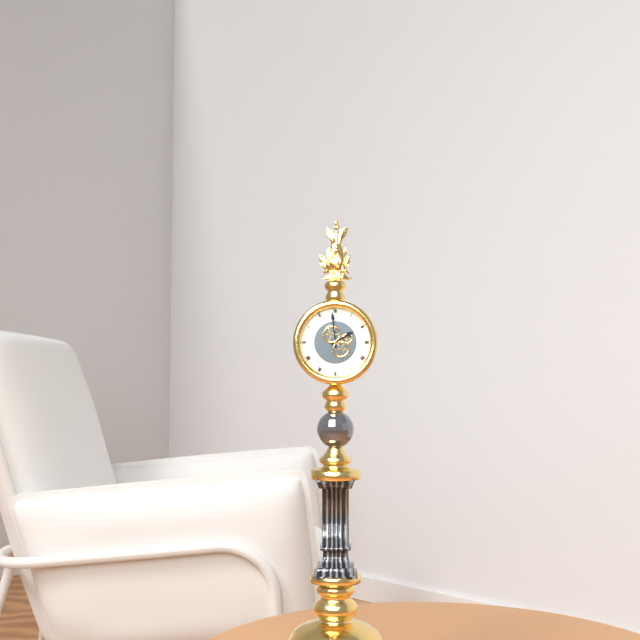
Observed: 1.59
